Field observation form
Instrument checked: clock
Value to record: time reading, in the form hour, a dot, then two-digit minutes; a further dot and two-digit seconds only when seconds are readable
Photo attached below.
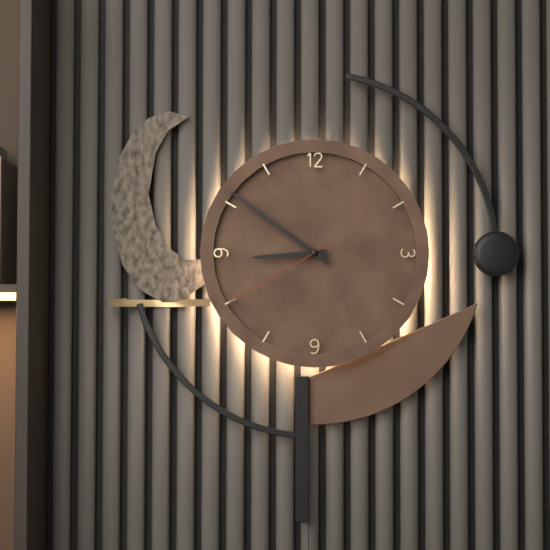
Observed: 8.51.40
